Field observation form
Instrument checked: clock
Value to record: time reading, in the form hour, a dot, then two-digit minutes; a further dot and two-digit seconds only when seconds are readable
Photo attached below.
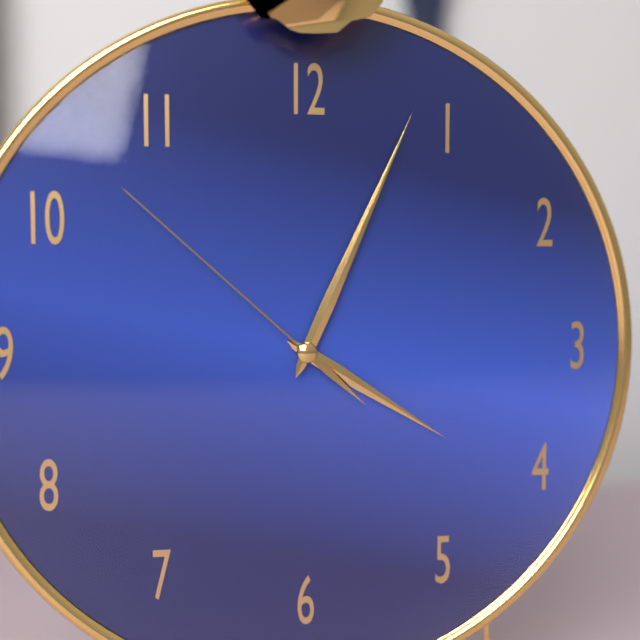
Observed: 4.04.52
